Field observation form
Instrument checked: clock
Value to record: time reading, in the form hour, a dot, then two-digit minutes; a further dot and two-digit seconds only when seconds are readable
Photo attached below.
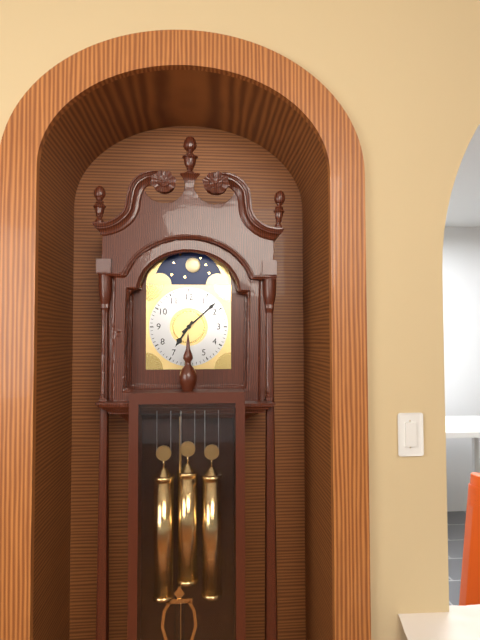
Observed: 7.08
